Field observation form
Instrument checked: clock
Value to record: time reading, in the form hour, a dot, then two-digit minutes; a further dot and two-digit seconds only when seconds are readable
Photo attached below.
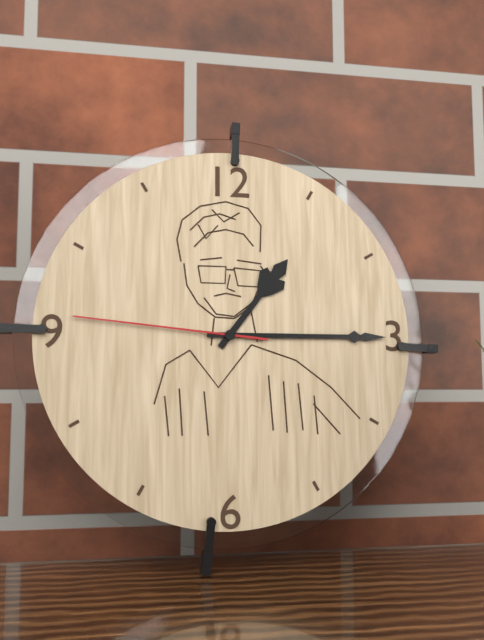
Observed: 1.15.46
